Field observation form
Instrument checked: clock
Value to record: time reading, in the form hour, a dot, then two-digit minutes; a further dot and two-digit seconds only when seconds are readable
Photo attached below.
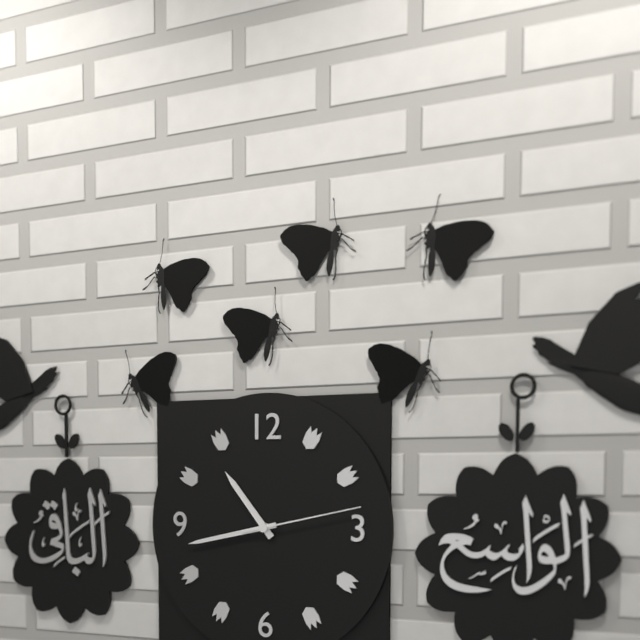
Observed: 10.43.13
